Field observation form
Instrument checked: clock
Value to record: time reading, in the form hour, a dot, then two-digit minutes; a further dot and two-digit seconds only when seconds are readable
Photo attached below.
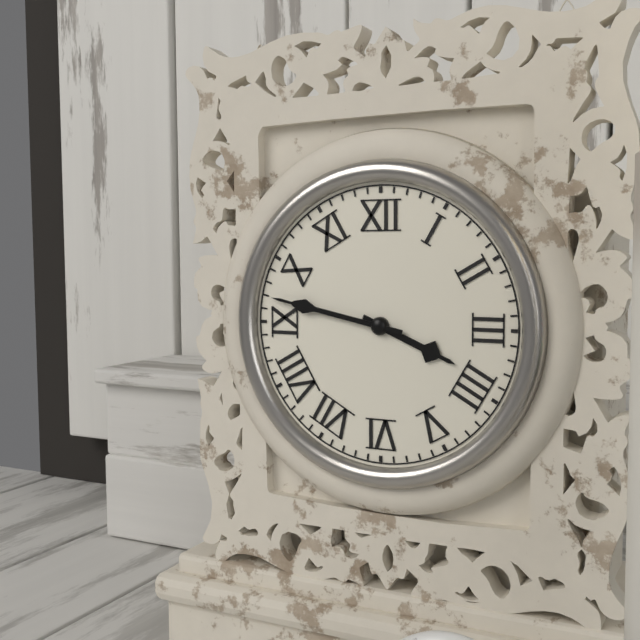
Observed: 3.47
